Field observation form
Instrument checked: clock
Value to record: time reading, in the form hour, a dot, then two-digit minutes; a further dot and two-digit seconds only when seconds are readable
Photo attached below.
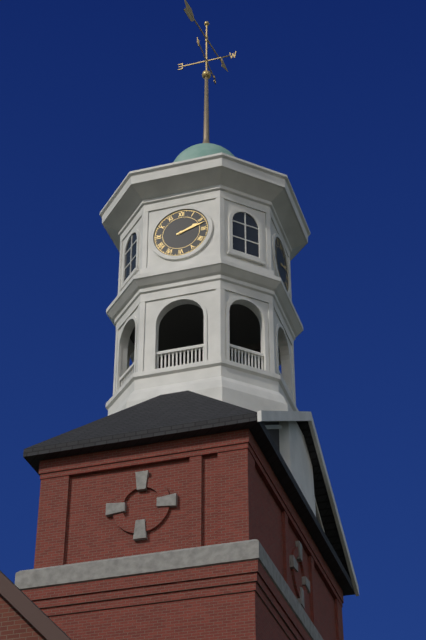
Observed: 2.12
